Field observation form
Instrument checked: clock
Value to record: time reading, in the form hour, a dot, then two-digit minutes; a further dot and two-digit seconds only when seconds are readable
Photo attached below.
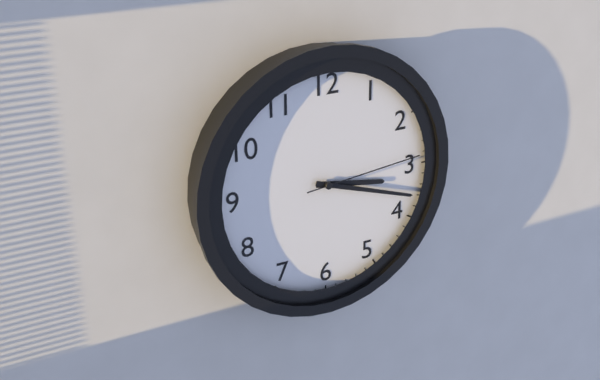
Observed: 3.18.14
